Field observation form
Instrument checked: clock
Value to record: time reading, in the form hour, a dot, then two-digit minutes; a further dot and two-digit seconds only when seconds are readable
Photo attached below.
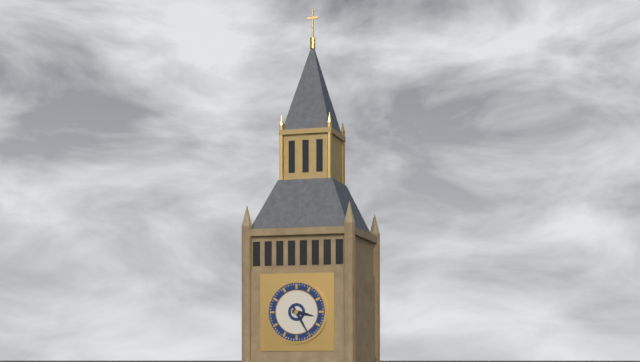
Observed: 3.25
